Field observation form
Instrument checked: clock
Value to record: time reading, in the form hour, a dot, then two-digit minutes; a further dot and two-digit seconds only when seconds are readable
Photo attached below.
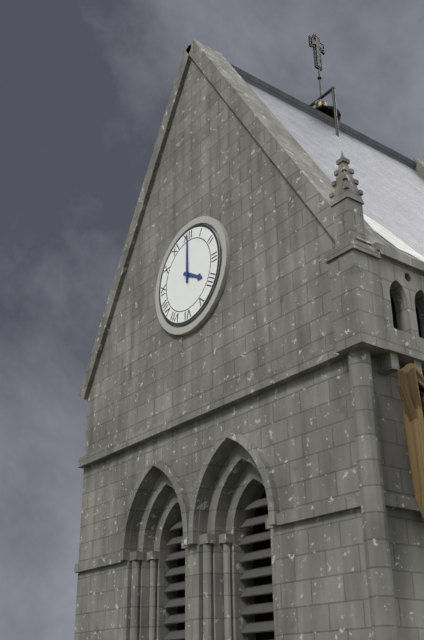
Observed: 4.00
